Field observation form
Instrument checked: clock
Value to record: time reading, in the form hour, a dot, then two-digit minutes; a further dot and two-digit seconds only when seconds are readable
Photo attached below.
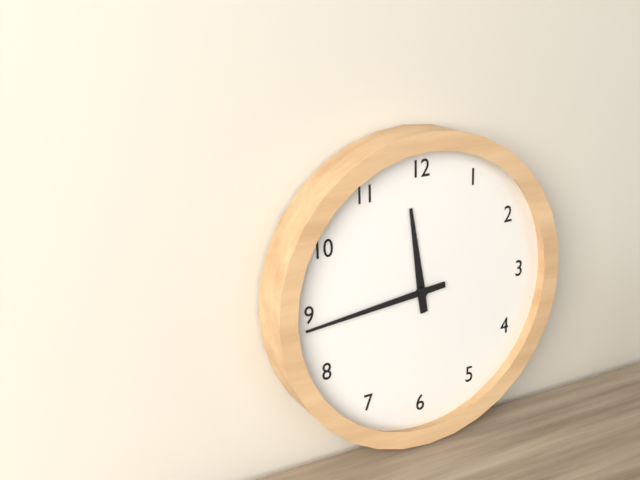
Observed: 11.44
